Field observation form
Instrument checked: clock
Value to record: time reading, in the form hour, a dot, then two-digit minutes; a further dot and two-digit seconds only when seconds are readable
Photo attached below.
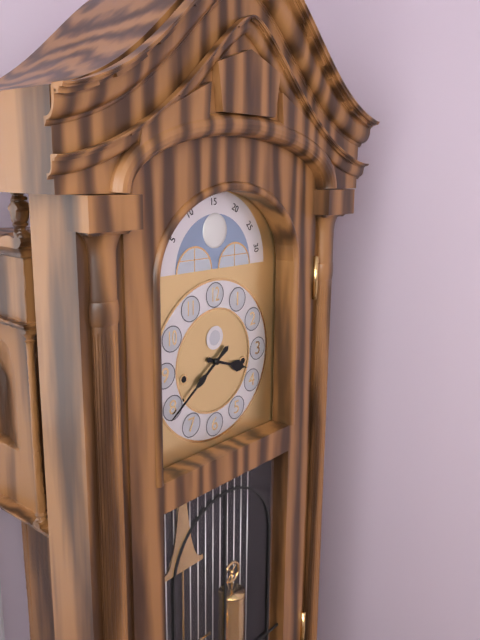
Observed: 3.39
